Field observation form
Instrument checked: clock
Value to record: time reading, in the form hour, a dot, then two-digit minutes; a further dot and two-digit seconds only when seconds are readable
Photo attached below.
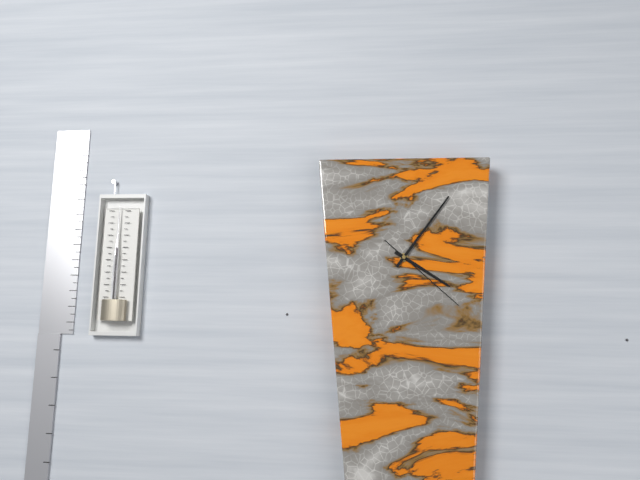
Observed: 4.06.22
